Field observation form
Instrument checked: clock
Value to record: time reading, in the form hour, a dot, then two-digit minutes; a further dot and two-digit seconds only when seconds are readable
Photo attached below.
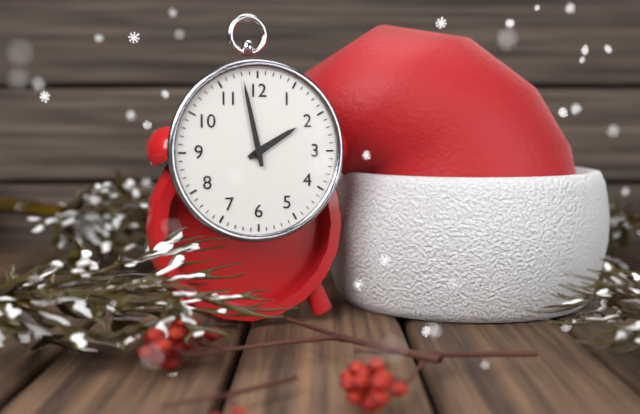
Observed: 1.58
